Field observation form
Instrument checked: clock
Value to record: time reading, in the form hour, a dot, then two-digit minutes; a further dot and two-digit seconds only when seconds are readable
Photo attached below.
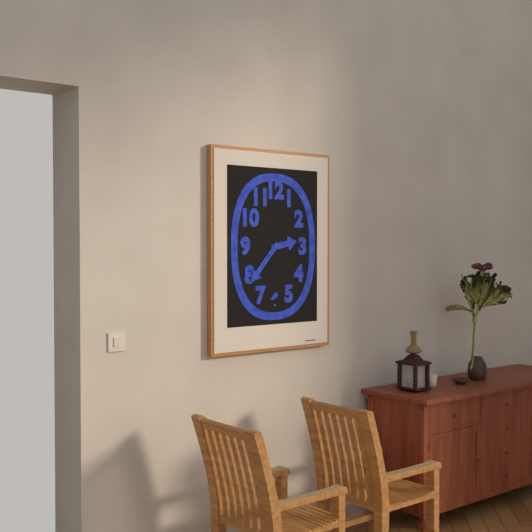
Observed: 2.37
